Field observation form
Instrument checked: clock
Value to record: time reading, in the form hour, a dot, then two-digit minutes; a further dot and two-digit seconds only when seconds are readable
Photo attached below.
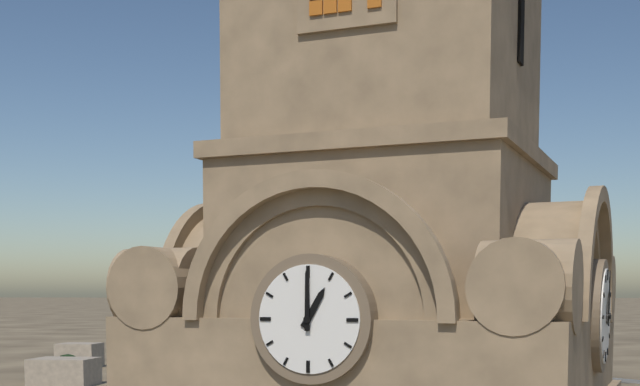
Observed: 1.00
